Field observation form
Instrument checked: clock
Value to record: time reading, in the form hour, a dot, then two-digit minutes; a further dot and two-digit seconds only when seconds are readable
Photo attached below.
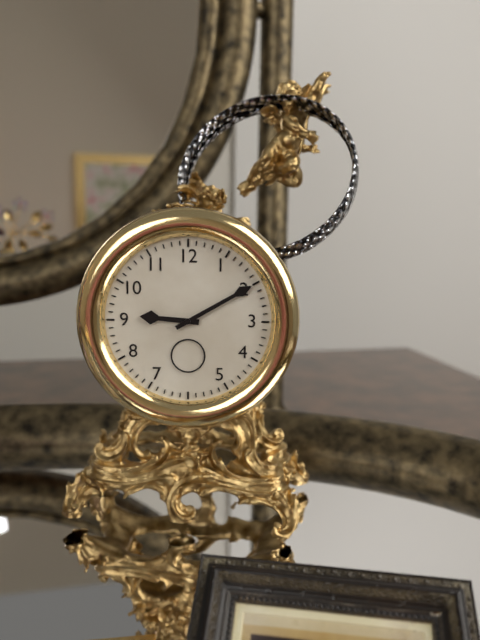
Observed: 9.10
